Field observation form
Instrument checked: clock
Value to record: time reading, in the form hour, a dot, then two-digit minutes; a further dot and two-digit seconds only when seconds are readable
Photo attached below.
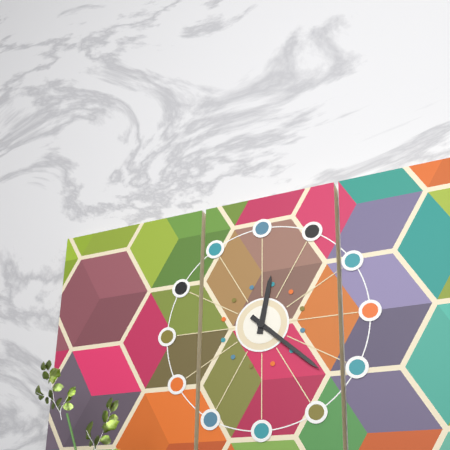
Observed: 12.22
